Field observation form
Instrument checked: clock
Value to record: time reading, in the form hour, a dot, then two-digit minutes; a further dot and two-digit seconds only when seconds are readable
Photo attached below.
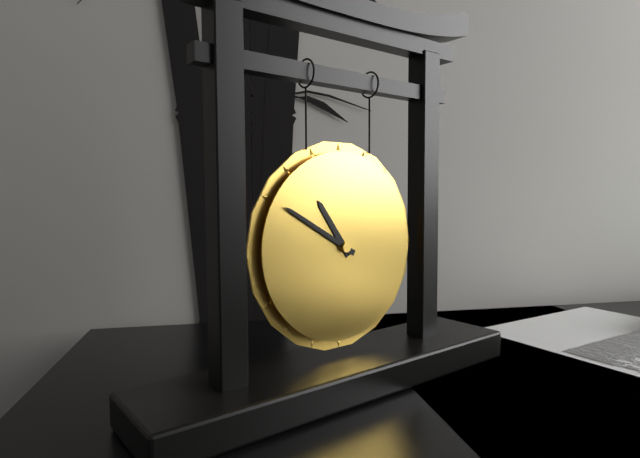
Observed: 10.50
